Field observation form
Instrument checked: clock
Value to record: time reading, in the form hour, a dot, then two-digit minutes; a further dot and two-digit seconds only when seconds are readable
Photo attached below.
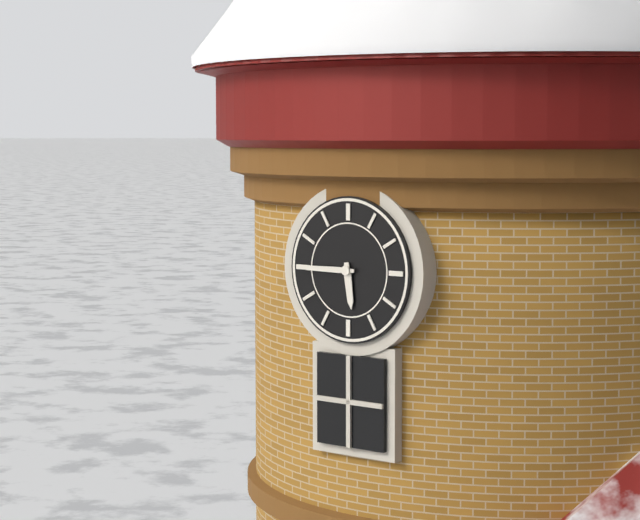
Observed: 5.45
